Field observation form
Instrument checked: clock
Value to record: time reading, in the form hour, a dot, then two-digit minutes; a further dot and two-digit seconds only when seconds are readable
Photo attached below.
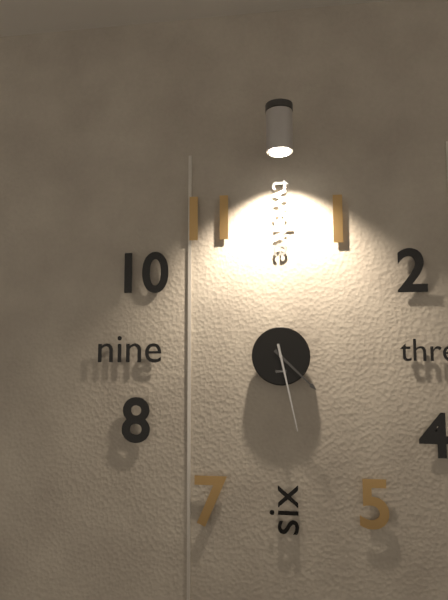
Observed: 4.28
